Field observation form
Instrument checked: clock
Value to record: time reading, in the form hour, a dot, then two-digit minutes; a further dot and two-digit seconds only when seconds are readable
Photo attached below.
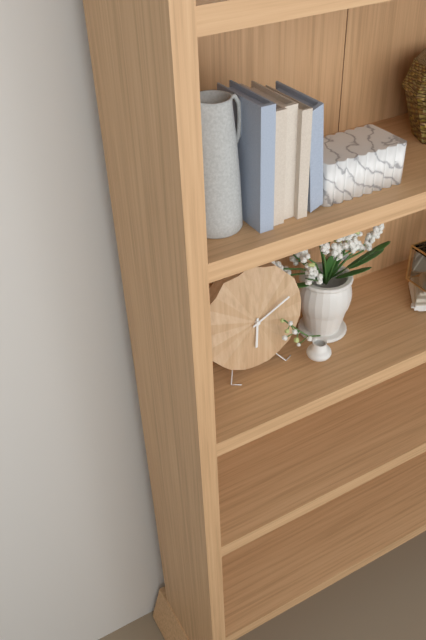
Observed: 6.11
